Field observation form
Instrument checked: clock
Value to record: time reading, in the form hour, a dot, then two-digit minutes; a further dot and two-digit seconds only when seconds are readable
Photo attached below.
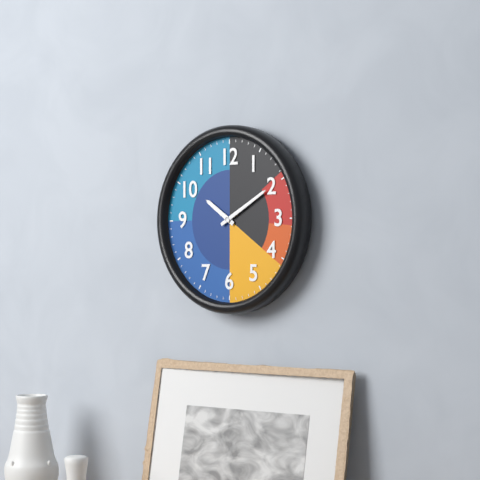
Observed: 10.10
